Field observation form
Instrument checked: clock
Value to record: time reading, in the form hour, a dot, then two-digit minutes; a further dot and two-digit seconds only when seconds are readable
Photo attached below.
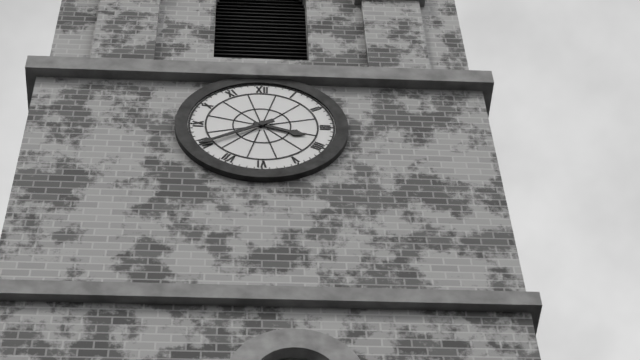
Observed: 3.40
